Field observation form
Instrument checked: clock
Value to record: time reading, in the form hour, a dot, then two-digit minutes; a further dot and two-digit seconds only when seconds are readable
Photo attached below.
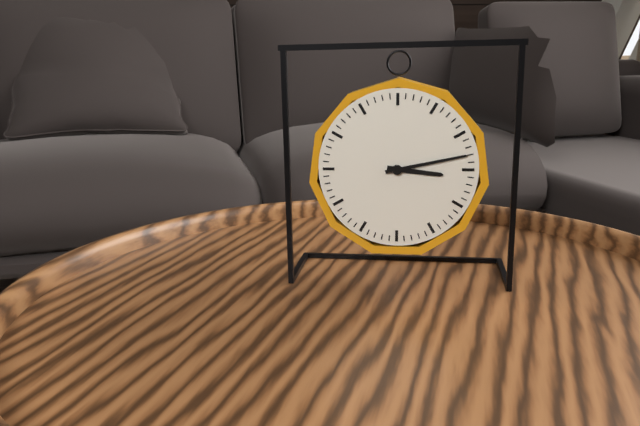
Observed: 3.13
